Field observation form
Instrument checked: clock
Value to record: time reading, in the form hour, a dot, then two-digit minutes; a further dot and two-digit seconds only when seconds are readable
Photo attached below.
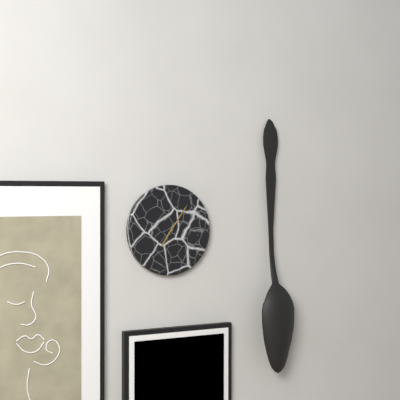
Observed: 7.06
